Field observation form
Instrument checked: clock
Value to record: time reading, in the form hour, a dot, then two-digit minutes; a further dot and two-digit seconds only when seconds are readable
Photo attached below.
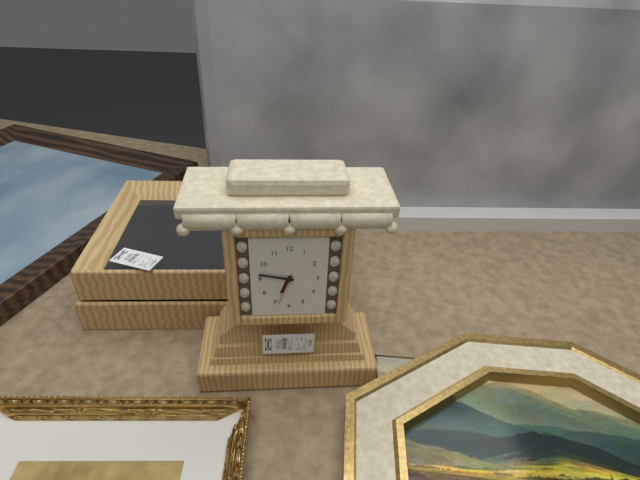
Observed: 6.47
